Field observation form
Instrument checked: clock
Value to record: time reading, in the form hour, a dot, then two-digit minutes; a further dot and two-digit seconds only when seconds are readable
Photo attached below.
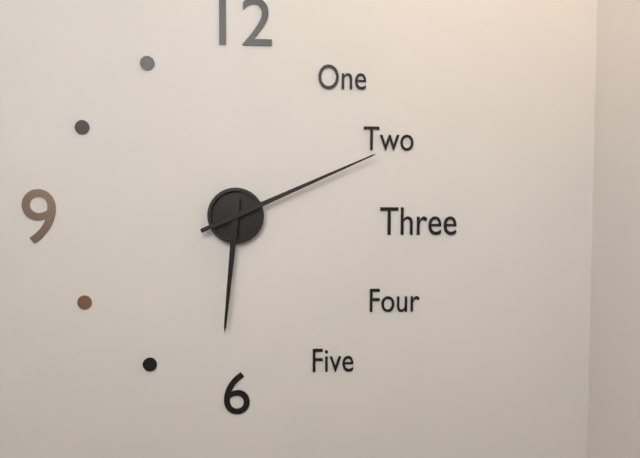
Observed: 6.11
